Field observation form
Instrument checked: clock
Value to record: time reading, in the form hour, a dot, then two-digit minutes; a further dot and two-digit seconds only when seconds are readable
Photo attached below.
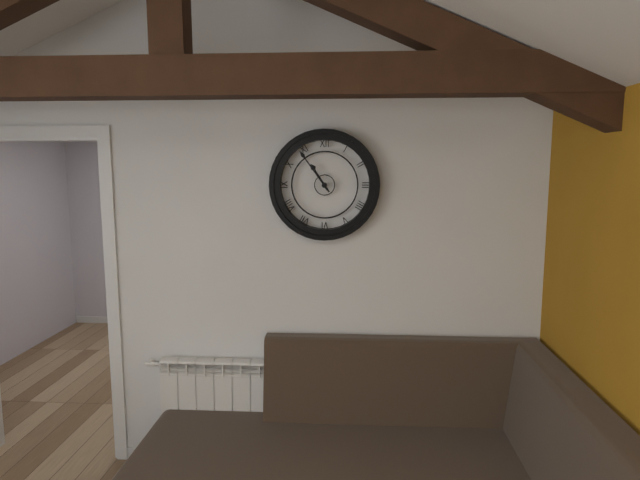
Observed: 10.54
